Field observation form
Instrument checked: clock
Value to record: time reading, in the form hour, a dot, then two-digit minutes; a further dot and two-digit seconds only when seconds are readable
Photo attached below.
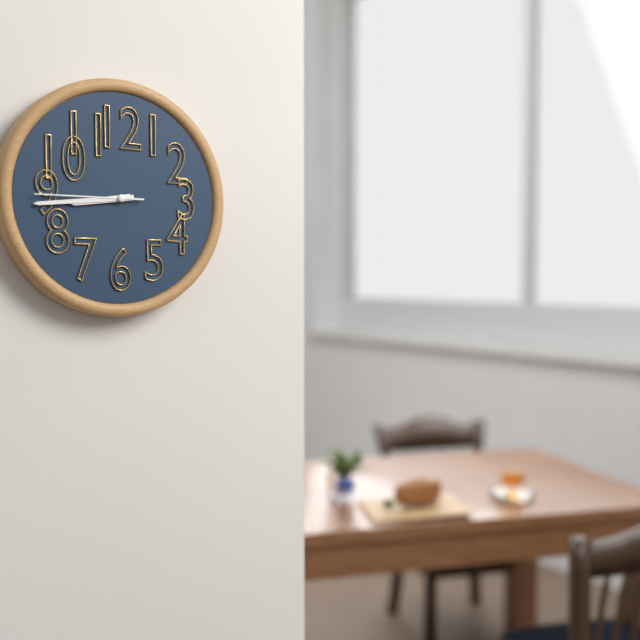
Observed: 8.44.45
